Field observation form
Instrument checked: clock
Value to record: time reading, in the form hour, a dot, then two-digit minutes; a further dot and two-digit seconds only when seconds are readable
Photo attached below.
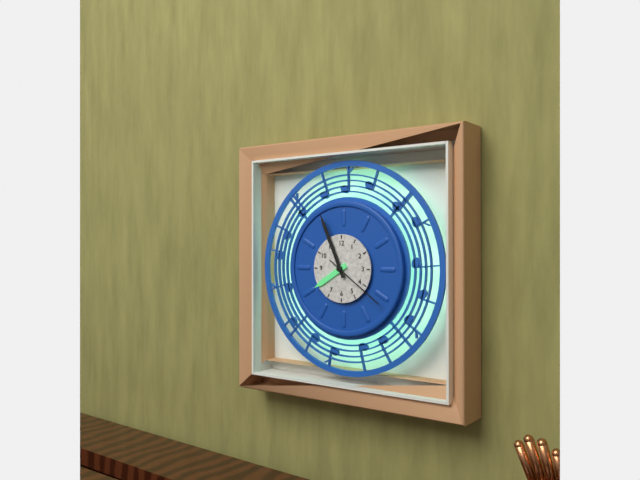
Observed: 7.56.21
